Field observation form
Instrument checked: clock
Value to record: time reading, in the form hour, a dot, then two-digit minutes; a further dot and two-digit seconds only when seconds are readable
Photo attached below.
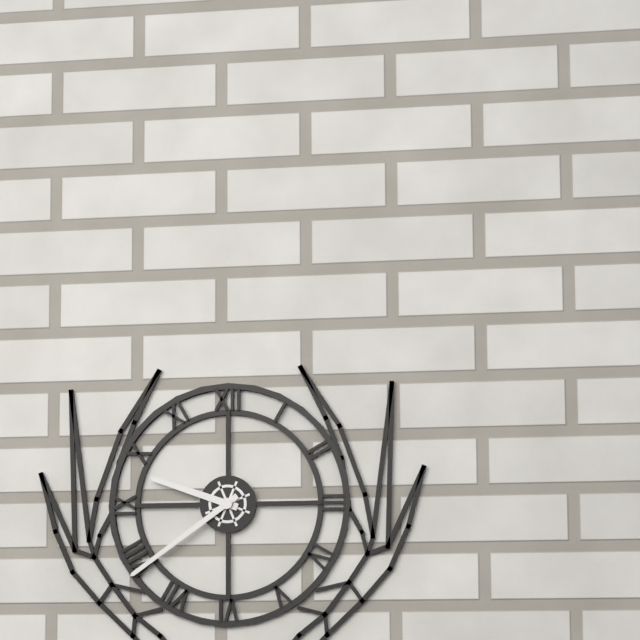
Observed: 9.39
